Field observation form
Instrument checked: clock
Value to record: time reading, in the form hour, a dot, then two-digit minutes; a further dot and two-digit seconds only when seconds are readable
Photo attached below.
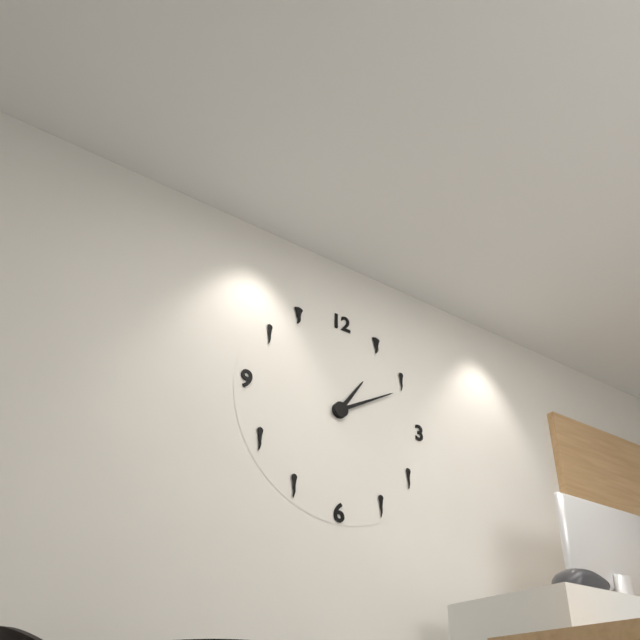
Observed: 1.10
